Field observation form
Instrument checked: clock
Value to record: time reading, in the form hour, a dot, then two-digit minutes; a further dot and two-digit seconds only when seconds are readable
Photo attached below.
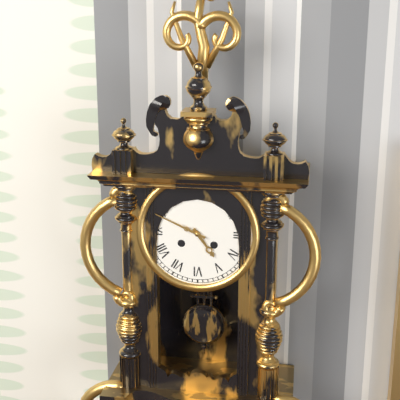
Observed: 4.49
